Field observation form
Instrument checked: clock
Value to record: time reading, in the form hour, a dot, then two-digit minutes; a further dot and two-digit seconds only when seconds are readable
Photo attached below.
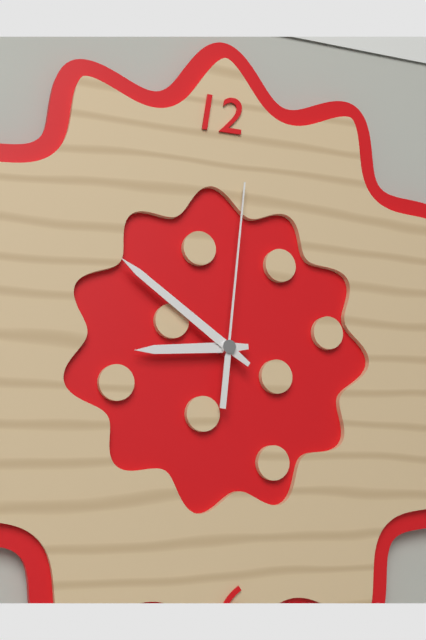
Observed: 8.51.01
